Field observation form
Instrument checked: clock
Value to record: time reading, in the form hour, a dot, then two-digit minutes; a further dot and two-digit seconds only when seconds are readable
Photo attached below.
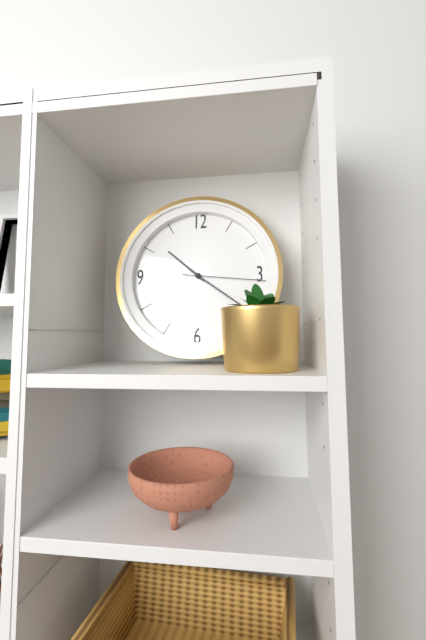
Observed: 10.21.16
